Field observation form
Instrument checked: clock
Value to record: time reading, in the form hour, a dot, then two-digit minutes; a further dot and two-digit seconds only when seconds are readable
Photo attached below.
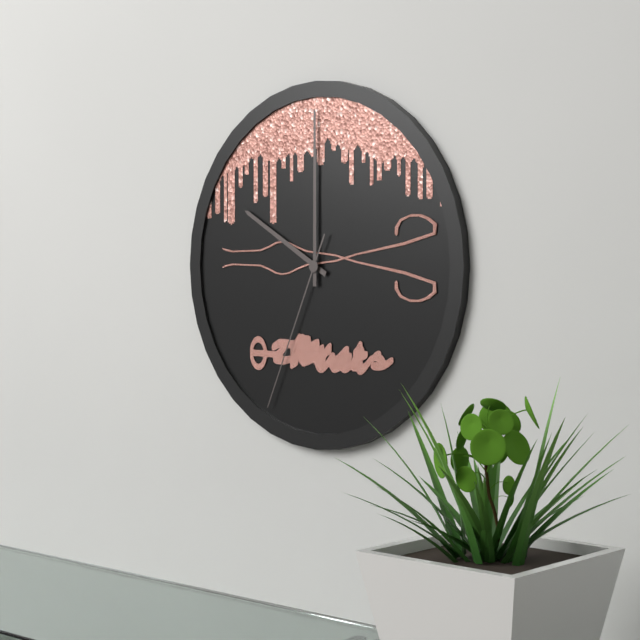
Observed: 10.00.34
